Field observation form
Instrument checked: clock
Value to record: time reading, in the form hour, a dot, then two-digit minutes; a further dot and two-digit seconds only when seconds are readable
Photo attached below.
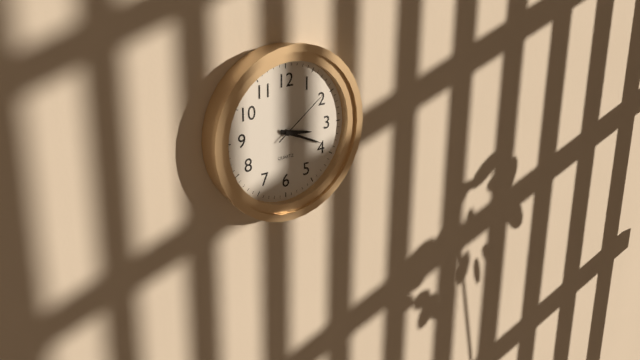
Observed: 3.19.09
